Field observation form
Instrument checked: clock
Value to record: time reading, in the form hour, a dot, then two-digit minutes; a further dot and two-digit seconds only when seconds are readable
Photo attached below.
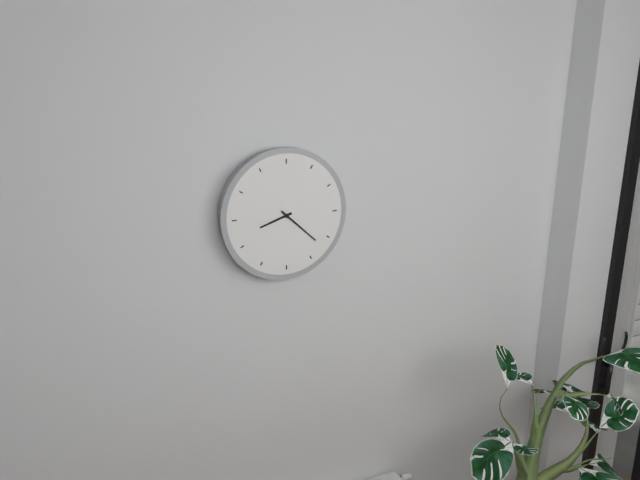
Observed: 8.22
